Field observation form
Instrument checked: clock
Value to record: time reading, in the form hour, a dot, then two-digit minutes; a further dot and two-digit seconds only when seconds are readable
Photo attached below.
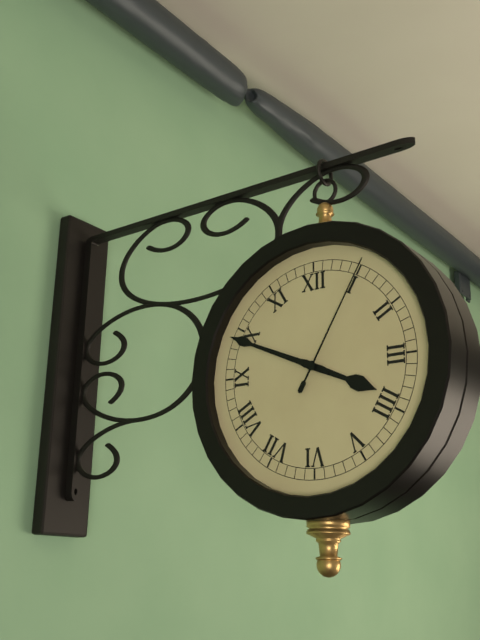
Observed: 3.49.05
